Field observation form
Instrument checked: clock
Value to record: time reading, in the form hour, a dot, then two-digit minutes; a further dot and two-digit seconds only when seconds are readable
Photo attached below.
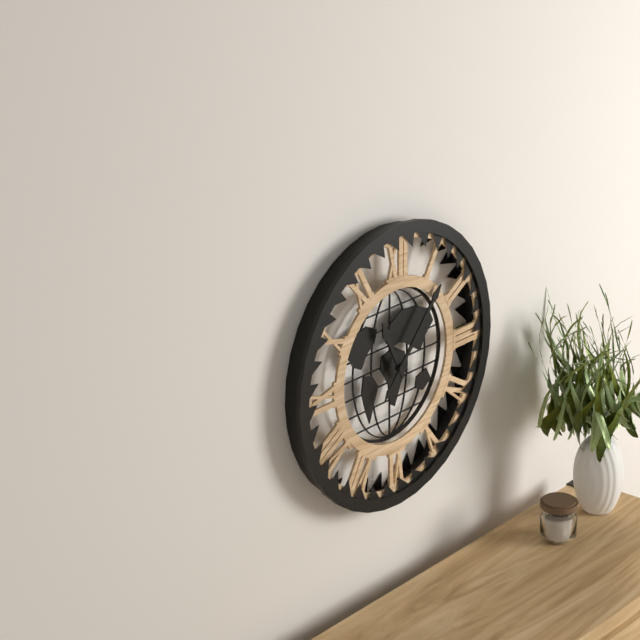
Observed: 11.07
